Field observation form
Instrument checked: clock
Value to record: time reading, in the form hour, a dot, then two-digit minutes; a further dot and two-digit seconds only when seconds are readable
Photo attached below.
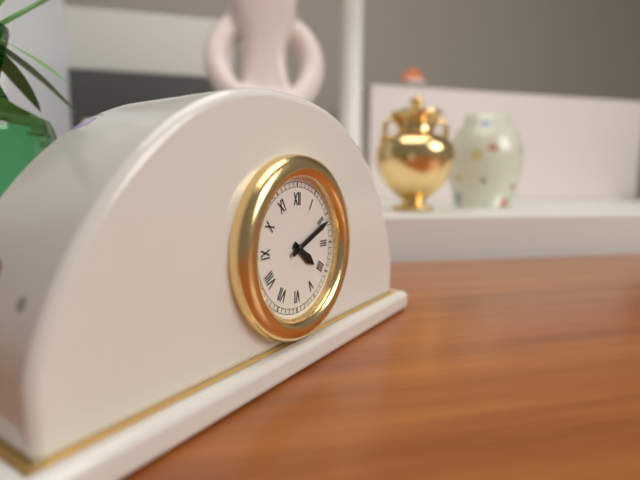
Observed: 4.11
